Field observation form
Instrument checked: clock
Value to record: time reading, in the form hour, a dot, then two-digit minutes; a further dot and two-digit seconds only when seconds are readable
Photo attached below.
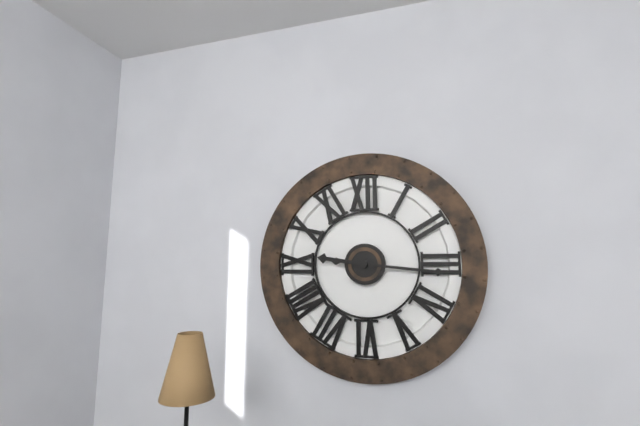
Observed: 9.16
